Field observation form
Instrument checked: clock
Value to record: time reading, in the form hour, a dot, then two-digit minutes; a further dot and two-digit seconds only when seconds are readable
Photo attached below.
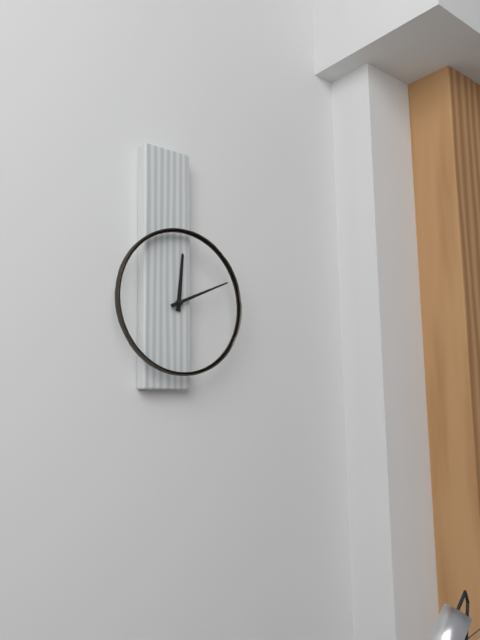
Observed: 12.11
